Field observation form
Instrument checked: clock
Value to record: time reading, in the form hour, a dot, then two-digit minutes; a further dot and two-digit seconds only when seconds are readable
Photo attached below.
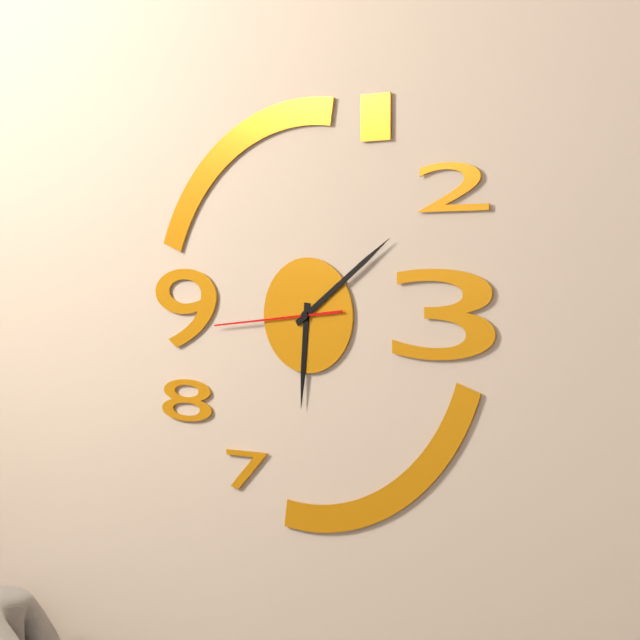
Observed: 6.09.44
